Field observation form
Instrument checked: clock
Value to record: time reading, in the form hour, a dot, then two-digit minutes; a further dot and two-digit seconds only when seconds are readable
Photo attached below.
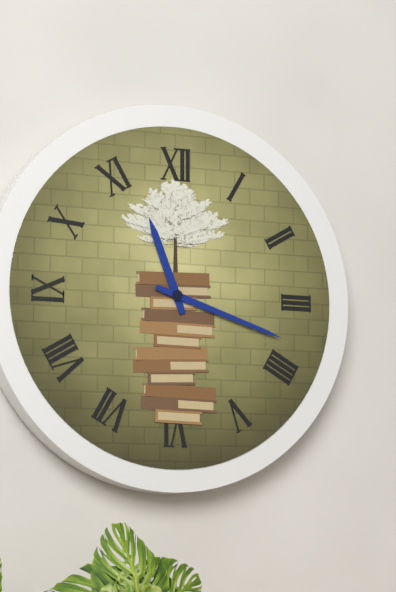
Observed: 11.18
